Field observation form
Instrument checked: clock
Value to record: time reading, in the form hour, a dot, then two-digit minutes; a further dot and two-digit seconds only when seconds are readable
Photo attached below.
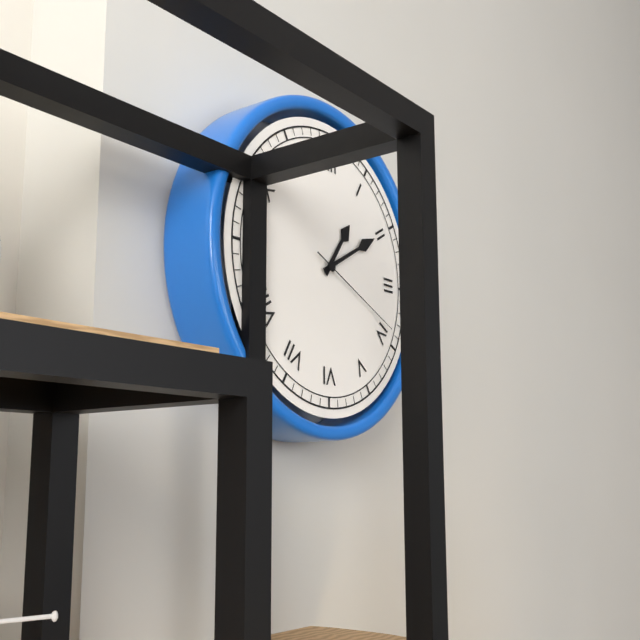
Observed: 1.10.19
